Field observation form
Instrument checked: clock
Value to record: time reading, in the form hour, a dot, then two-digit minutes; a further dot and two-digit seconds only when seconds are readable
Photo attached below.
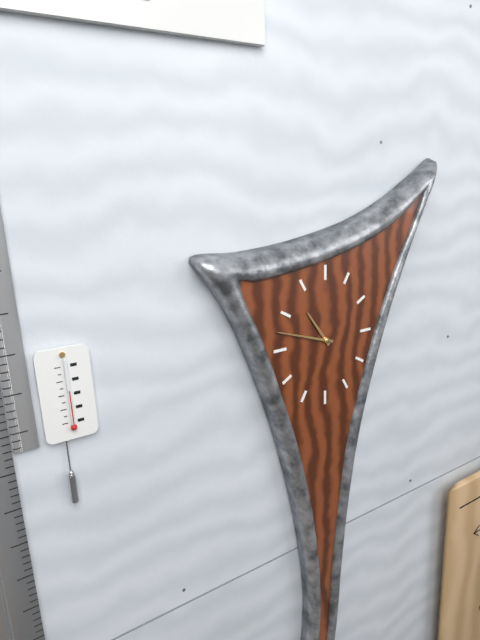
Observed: 10.48
